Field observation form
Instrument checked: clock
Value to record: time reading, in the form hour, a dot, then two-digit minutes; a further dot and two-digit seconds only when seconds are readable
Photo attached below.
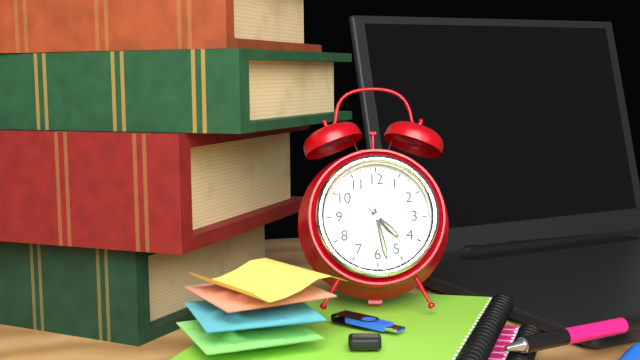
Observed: 4.28.23
